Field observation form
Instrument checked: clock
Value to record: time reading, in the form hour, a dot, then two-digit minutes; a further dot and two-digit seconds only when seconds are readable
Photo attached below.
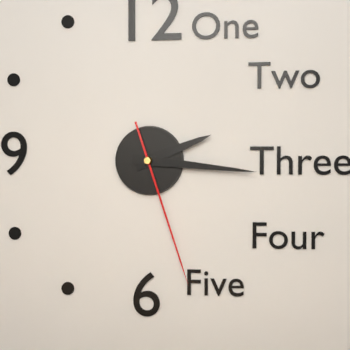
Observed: 2.16.27
